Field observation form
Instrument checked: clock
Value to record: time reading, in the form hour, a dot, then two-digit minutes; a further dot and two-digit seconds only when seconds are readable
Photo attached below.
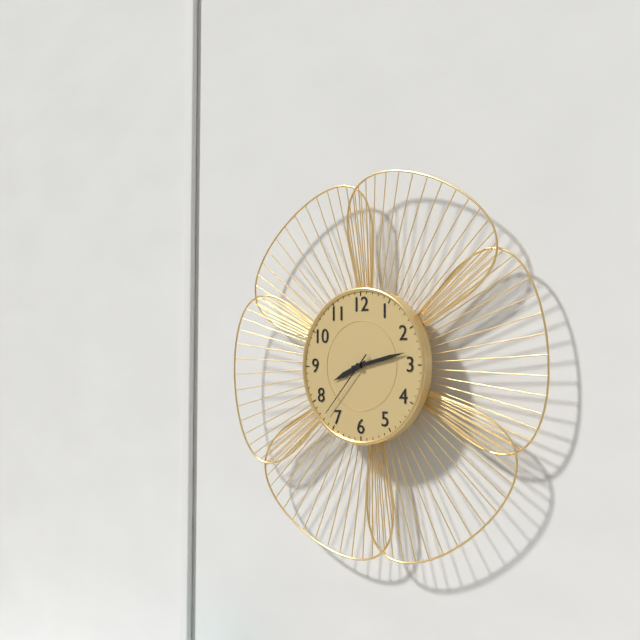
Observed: 8.13.37
